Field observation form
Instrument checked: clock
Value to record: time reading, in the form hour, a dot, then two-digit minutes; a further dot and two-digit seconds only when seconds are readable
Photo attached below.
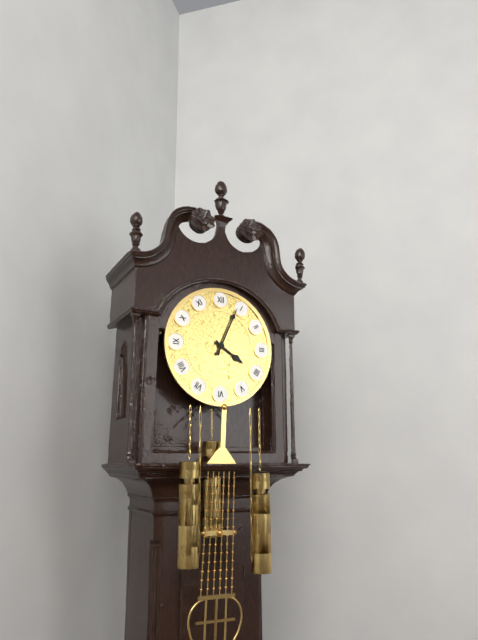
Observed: 4.04
